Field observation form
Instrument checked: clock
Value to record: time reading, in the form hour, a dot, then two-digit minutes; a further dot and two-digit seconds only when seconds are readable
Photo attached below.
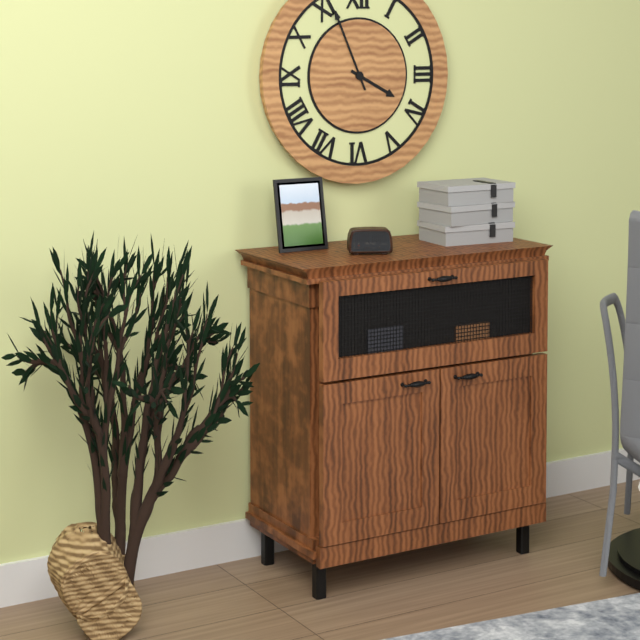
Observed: 3.56
